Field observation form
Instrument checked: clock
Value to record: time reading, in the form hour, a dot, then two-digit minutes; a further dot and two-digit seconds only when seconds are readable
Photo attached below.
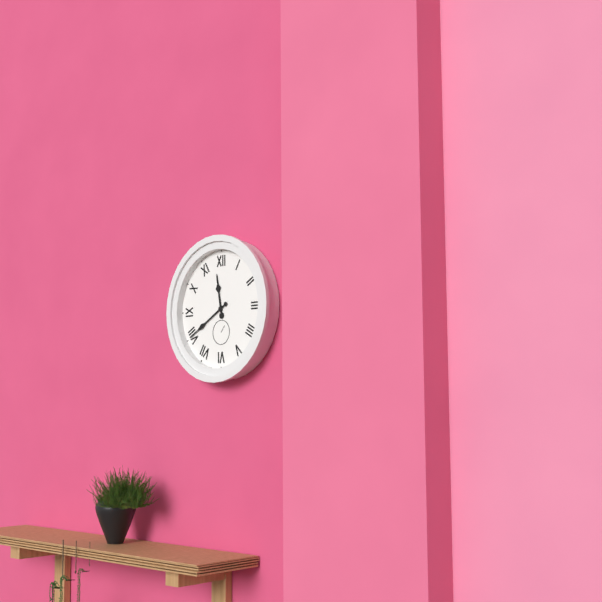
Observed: 11.40
